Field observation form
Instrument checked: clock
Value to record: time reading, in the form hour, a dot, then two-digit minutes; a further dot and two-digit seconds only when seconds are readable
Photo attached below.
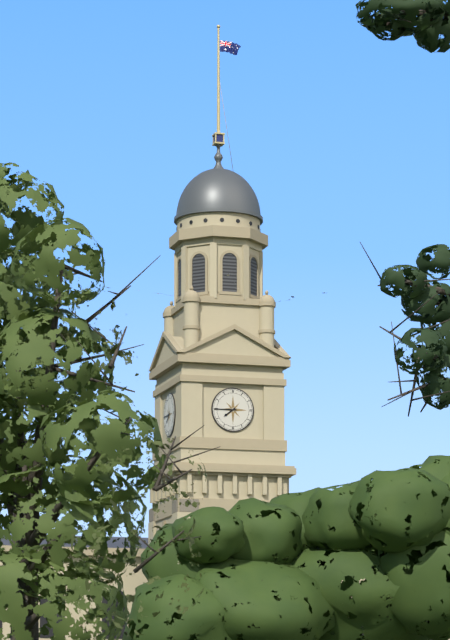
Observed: 7.45
